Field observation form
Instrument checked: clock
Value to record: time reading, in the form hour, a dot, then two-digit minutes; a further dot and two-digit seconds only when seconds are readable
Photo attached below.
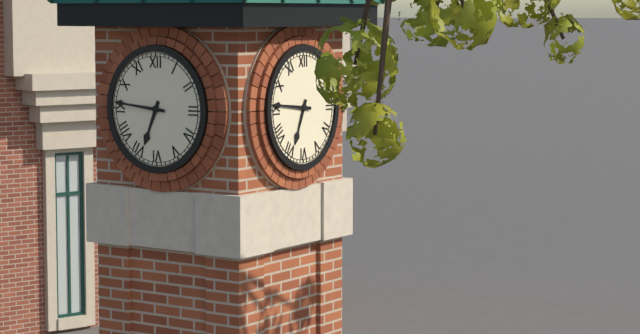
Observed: 6.46
